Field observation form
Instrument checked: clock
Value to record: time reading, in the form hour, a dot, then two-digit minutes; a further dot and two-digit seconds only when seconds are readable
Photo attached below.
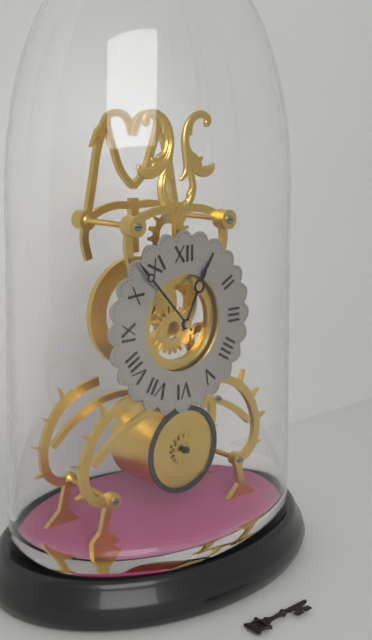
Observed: 12.53
